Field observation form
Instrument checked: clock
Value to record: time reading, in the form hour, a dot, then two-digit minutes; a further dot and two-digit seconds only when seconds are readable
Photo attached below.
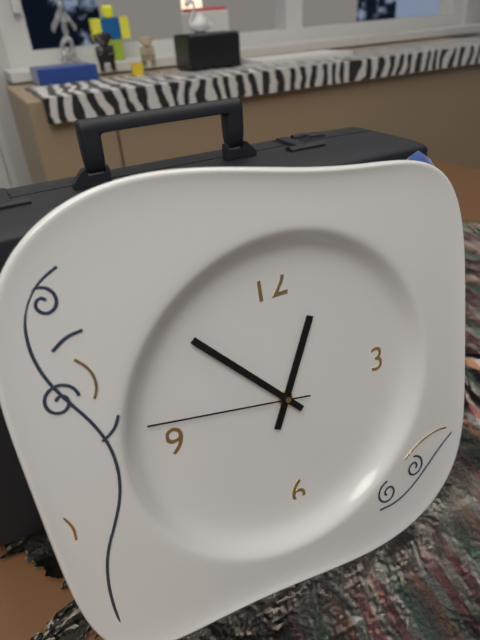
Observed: 12.53.47
